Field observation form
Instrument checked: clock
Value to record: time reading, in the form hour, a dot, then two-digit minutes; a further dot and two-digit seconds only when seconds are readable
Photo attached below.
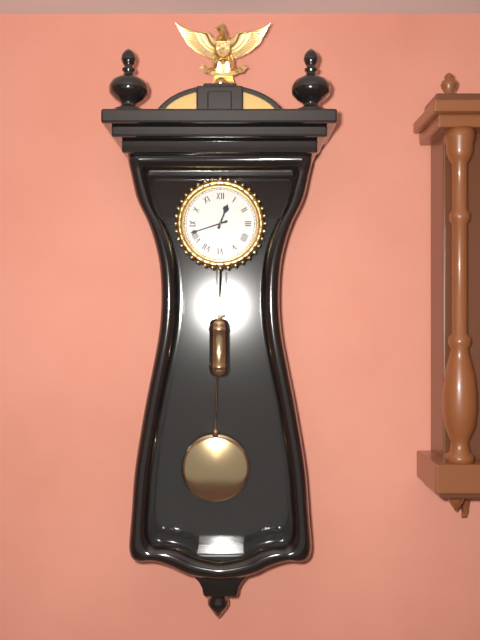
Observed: 12.42
